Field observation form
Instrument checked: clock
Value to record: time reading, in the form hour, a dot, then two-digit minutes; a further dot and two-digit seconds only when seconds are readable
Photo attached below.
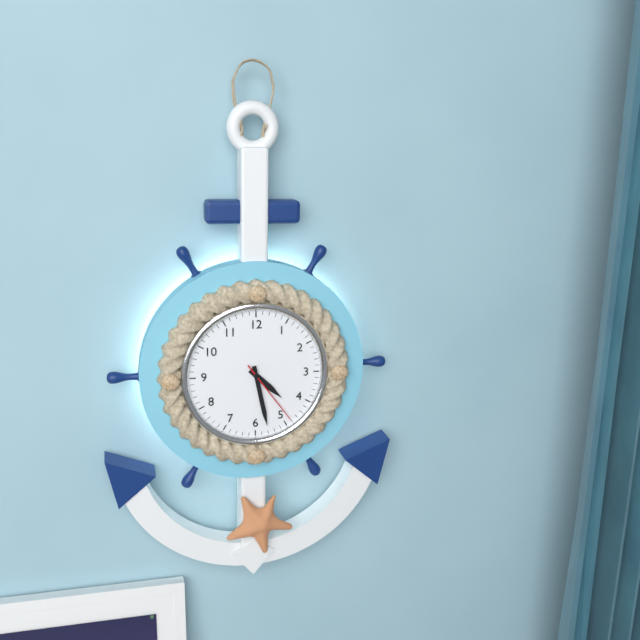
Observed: 4.28.24
